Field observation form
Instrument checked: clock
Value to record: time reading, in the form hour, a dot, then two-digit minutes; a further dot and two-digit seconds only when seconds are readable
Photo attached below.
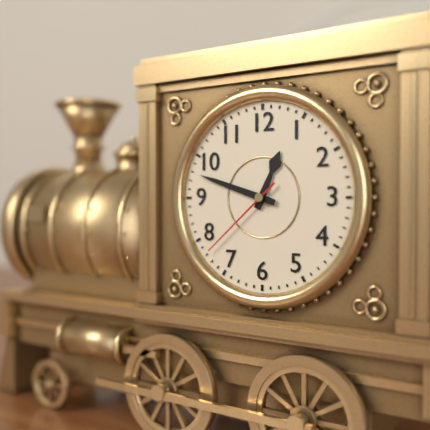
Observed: 12.48.38
